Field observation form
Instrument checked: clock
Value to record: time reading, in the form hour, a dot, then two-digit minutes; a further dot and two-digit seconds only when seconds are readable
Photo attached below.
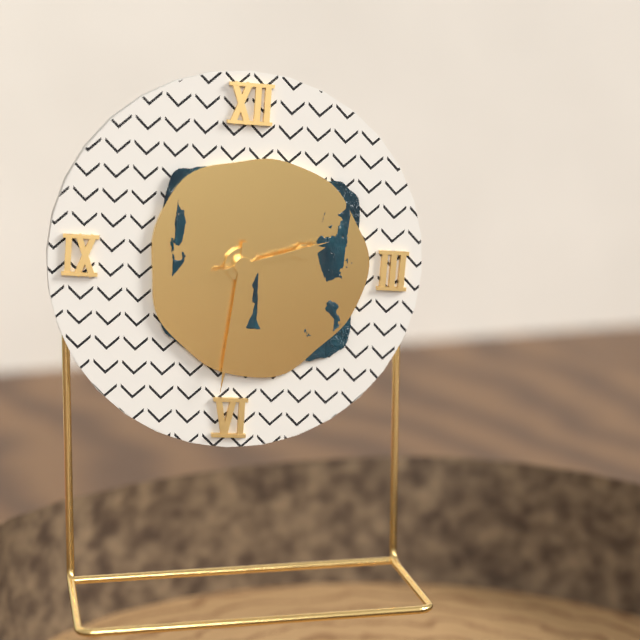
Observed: 2.31.12
